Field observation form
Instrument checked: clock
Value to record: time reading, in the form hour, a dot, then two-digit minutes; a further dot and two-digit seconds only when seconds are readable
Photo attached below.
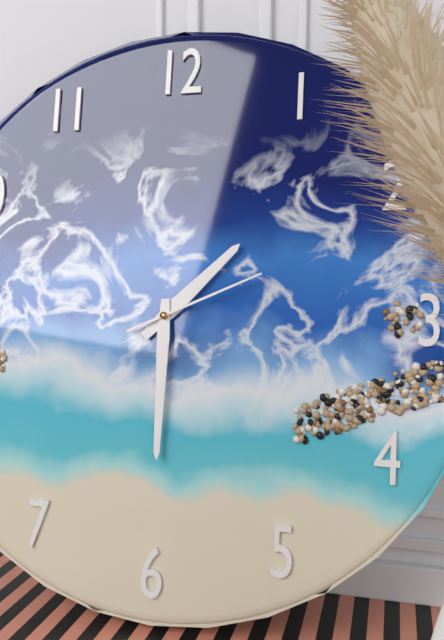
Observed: 1.30.11
